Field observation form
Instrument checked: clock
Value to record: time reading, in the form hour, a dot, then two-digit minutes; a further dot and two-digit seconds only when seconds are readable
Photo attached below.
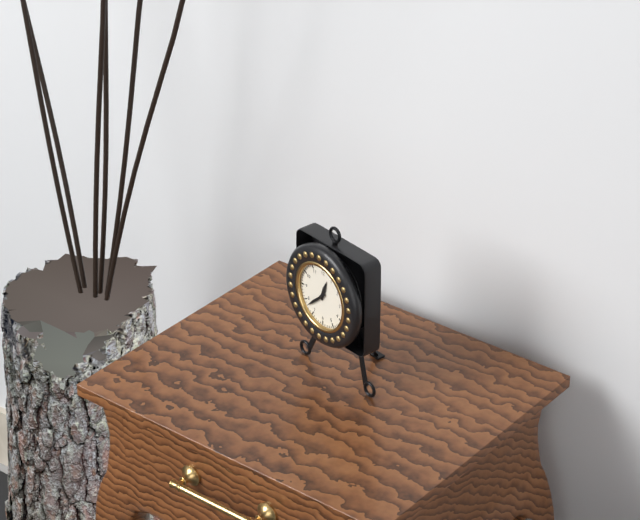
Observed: 12.38
